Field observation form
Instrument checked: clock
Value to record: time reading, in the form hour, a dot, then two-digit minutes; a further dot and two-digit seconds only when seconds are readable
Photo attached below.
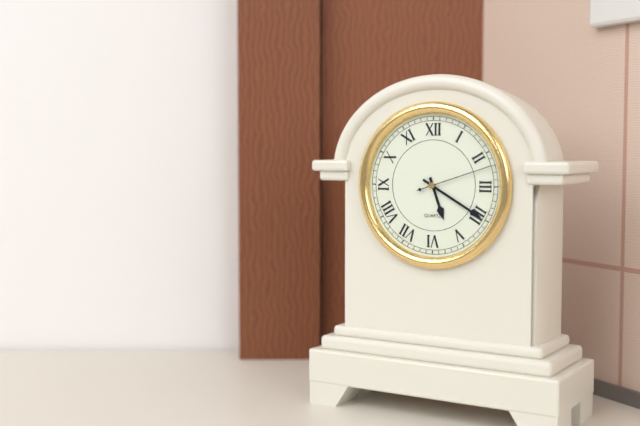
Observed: 5.20.12
